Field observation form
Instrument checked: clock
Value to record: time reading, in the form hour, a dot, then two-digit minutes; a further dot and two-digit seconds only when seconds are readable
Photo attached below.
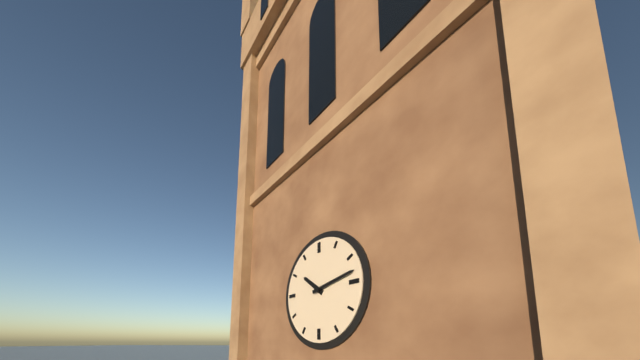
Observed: 10.13
